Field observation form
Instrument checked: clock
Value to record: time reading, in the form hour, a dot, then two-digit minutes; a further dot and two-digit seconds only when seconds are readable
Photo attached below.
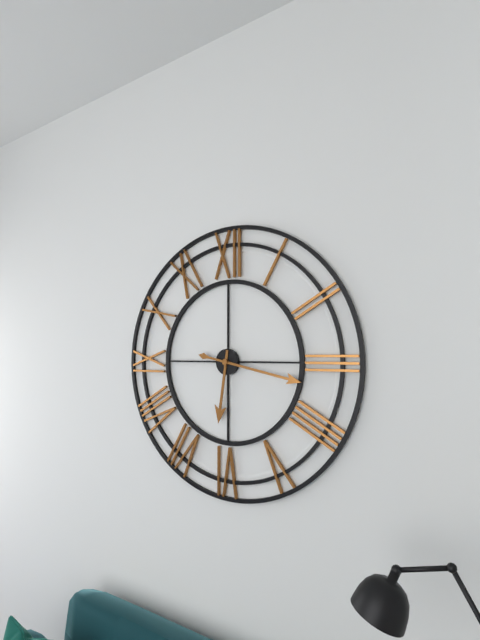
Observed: 6.17
